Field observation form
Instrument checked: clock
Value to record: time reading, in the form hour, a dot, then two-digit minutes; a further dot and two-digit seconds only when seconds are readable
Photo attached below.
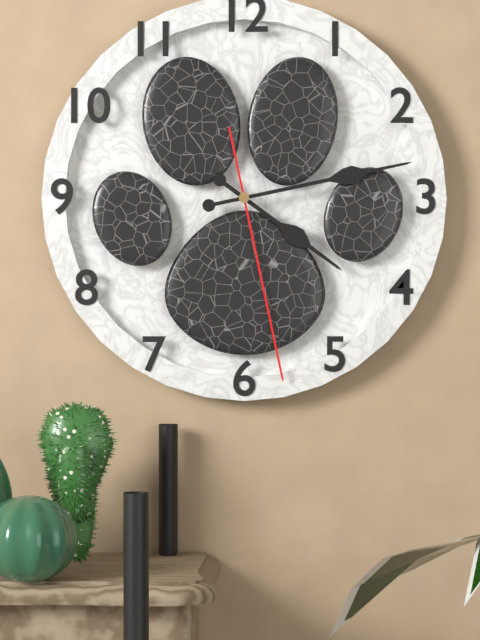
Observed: 4.13.28
